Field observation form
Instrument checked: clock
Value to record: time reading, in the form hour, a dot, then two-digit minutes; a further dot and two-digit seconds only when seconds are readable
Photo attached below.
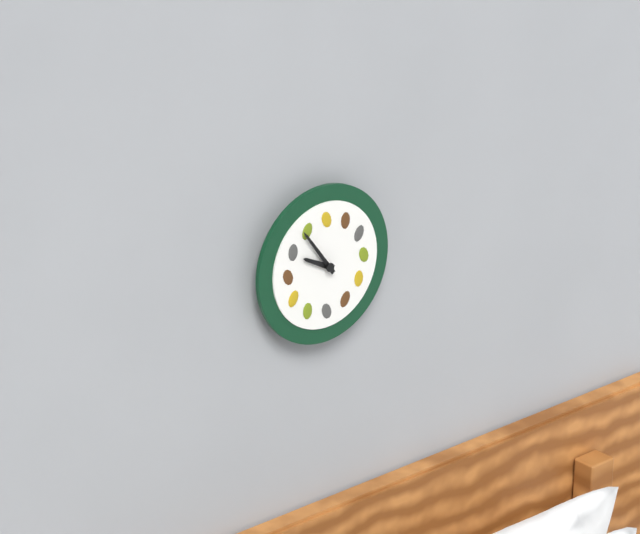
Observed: 9.54
